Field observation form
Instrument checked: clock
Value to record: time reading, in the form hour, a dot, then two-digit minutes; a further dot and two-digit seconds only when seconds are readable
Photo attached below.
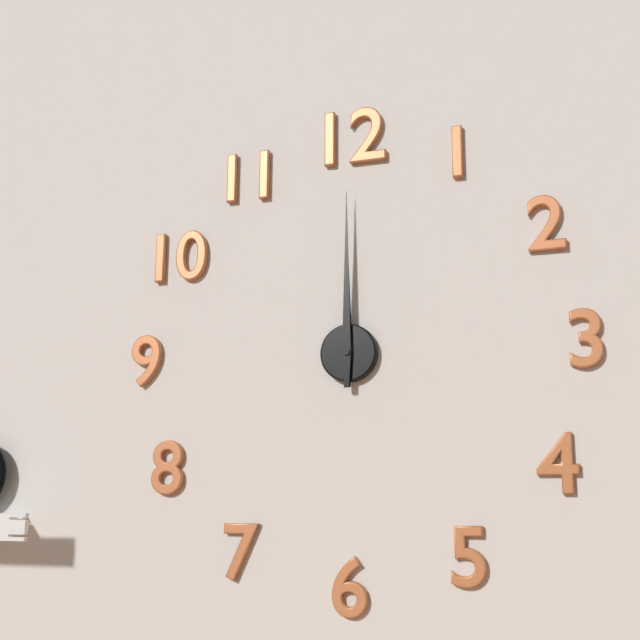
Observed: 12.00
